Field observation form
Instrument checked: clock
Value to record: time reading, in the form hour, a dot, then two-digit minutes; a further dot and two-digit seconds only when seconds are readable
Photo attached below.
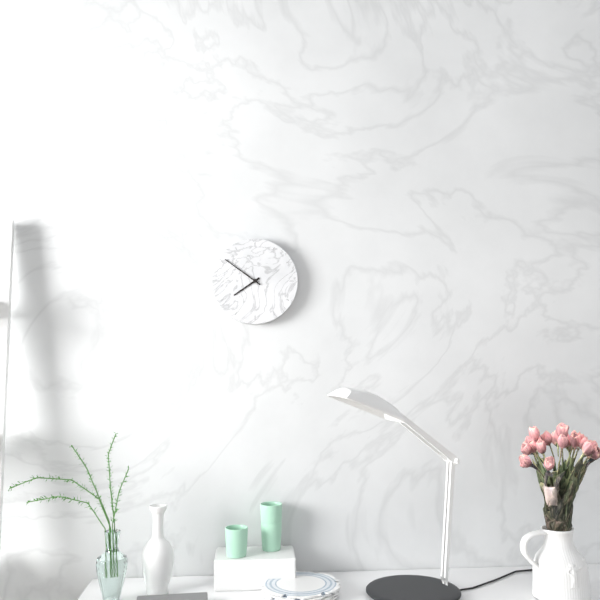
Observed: 7.51
